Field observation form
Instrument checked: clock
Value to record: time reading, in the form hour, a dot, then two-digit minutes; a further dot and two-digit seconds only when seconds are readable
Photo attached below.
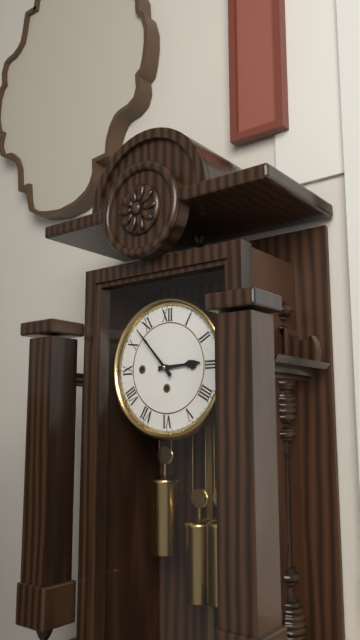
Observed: 2.53
